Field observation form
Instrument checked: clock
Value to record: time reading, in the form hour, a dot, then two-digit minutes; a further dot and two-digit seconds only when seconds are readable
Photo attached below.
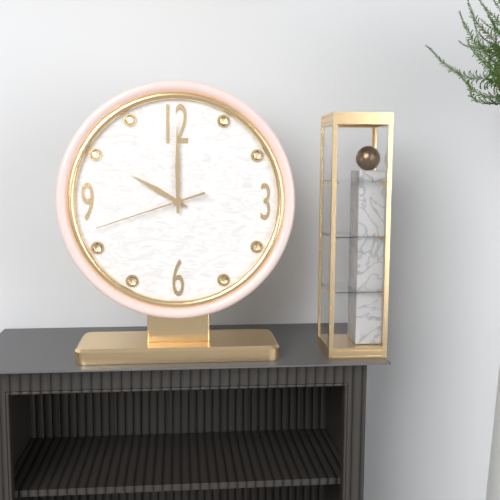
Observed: 10.00.42
